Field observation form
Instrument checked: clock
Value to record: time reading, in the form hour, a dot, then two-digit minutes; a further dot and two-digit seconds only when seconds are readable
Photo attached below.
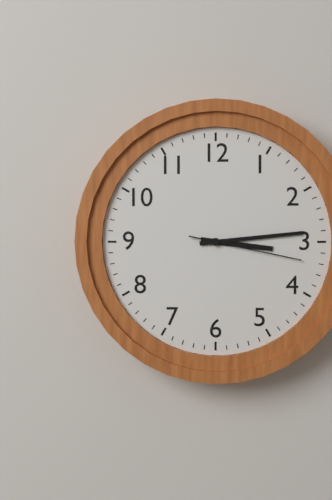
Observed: 3.14.17
